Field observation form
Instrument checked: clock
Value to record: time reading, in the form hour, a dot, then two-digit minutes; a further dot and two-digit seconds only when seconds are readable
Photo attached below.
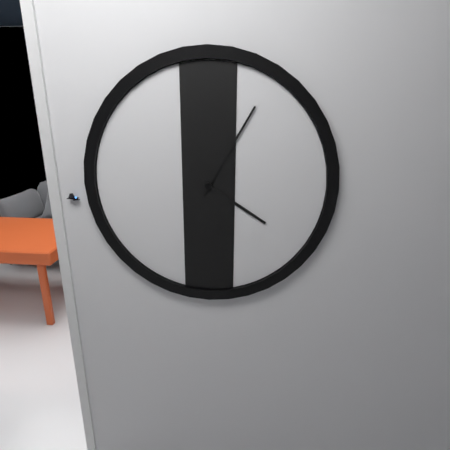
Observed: 4.05
